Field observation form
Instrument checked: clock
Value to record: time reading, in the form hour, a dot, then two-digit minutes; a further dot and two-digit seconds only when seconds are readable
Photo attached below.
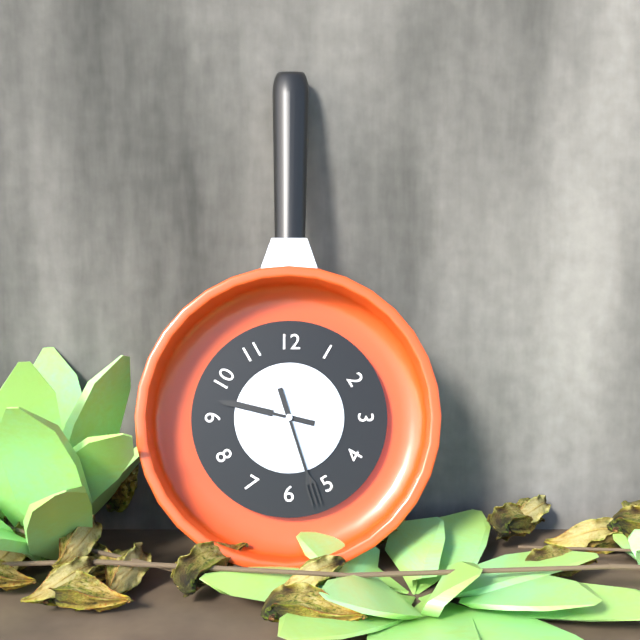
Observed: 9.27
